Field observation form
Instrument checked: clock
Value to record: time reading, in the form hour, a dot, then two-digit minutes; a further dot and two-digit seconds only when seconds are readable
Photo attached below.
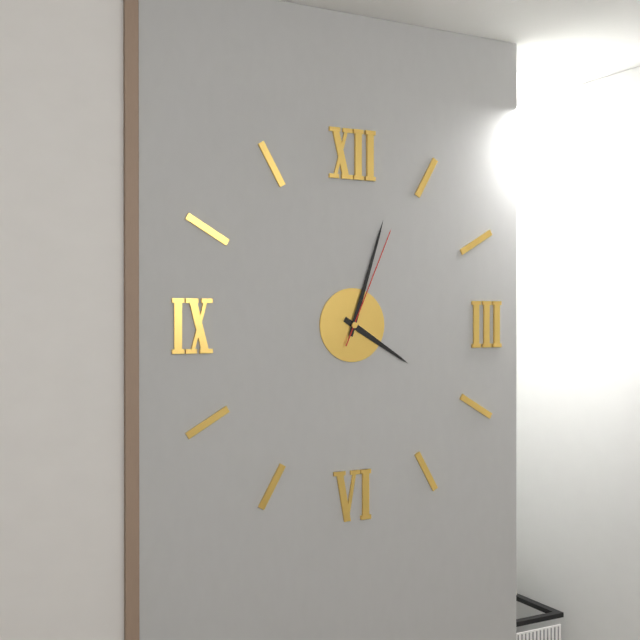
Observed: 4.03.04
